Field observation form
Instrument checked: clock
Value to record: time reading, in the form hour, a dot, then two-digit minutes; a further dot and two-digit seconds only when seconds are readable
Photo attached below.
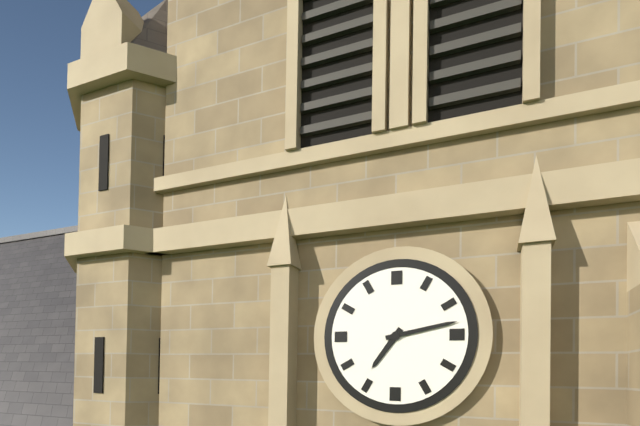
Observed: 7.13
